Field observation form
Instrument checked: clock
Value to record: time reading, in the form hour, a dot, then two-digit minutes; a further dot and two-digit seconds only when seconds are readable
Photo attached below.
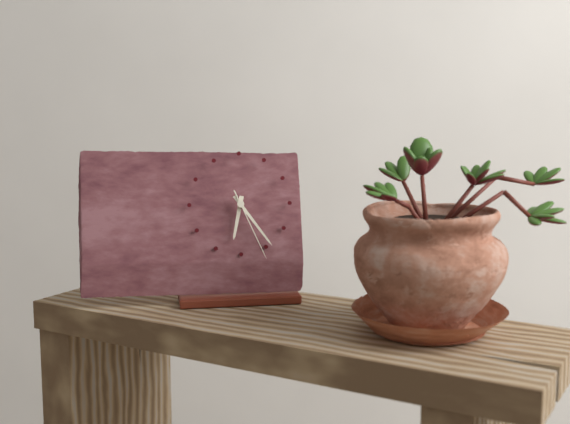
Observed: 6.24.26
